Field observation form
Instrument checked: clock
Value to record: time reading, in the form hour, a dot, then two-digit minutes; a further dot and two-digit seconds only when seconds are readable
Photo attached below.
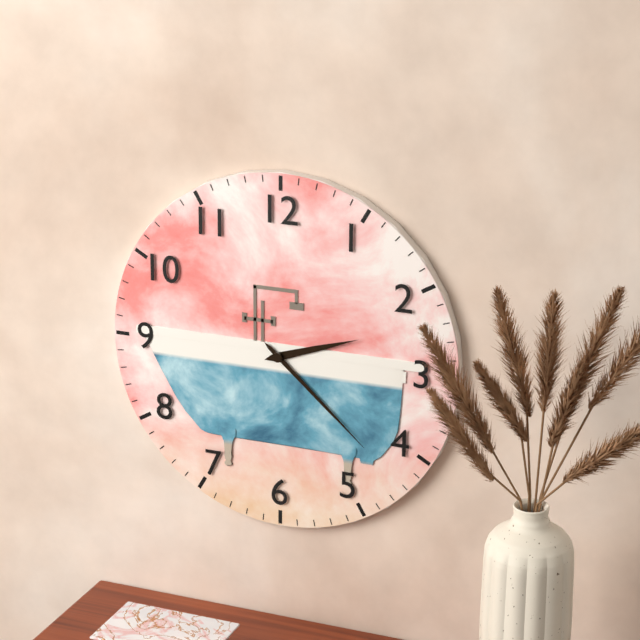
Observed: 2.22
